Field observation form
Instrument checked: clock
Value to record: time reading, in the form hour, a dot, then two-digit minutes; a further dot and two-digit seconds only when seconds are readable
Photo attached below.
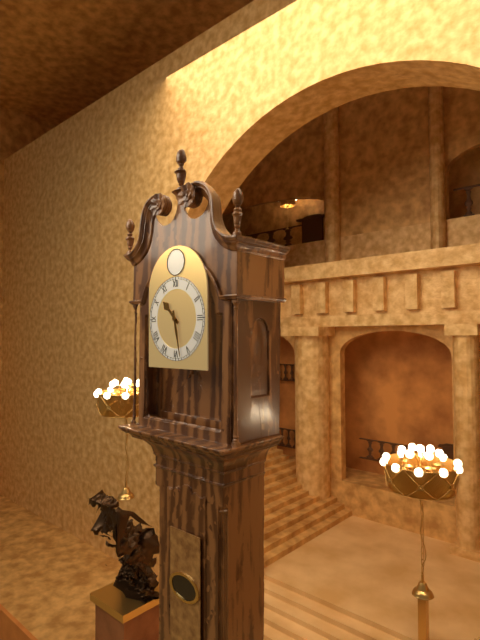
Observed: 10.28
